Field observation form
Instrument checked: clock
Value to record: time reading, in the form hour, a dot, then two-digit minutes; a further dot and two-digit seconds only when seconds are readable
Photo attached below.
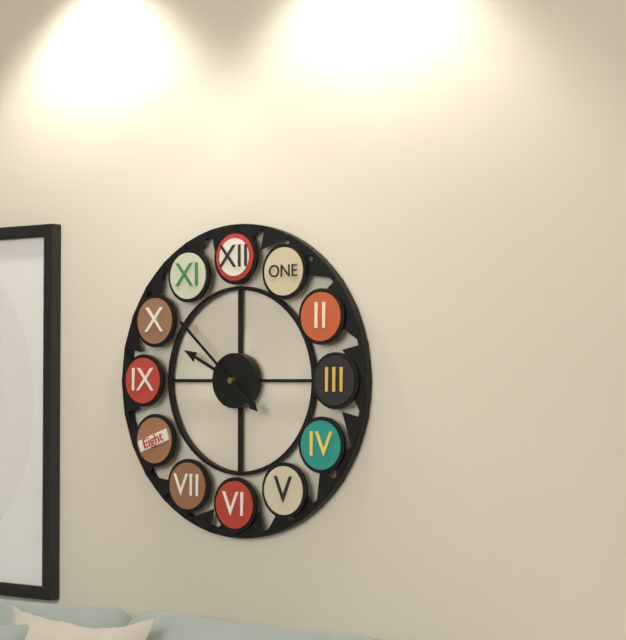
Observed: 9.52
